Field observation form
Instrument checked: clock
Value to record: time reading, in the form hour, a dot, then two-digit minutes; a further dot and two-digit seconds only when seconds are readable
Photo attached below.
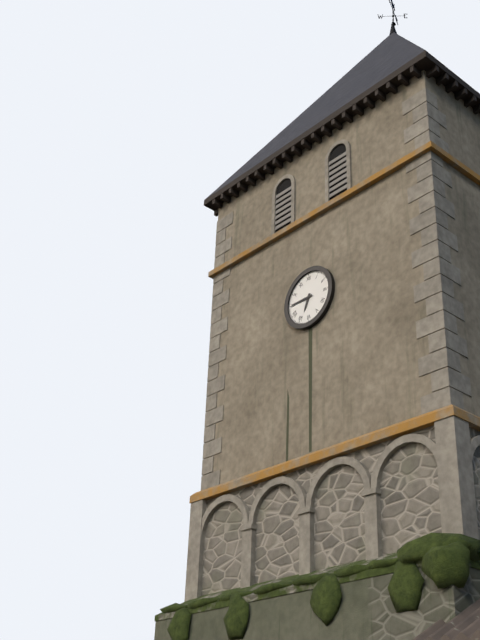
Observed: 6.45
